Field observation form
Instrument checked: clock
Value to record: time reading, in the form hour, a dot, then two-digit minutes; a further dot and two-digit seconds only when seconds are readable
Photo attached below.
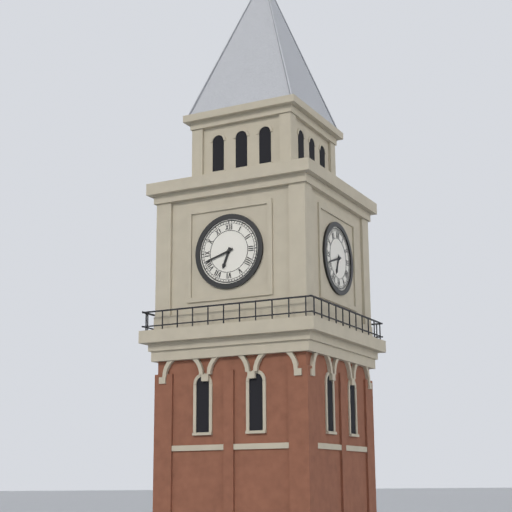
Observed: 6.42
